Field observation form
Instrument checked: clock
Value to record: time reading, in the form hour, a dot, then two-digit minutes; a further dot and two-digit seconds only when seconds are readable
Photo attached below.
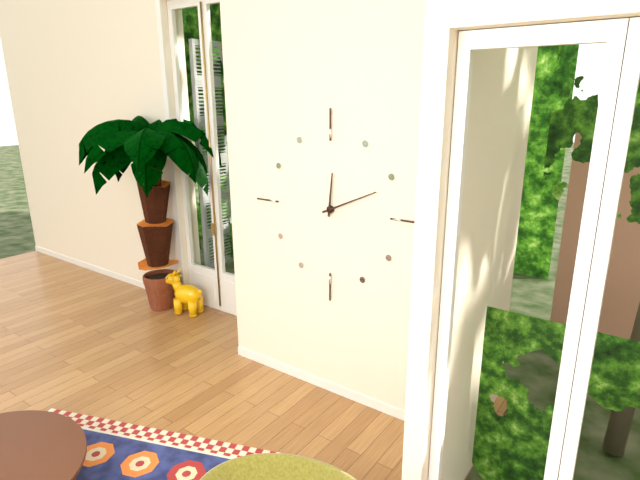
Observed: 12.11
